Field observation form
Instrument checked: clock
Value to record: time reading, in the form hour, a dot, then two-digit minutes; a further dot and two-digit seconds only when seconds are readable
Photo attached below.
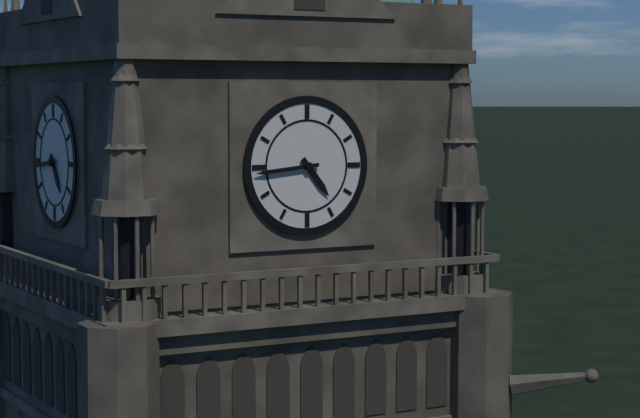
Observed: 4.44
